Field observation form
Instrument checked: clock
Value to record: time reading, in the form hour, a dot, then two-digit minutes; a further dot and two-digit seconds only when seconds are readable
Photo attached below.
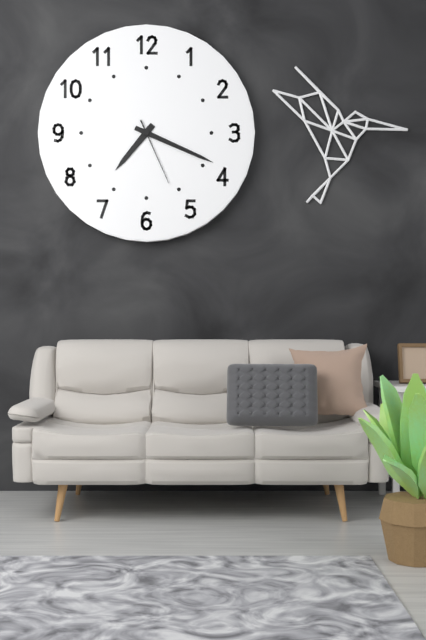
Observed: 7.19.26
